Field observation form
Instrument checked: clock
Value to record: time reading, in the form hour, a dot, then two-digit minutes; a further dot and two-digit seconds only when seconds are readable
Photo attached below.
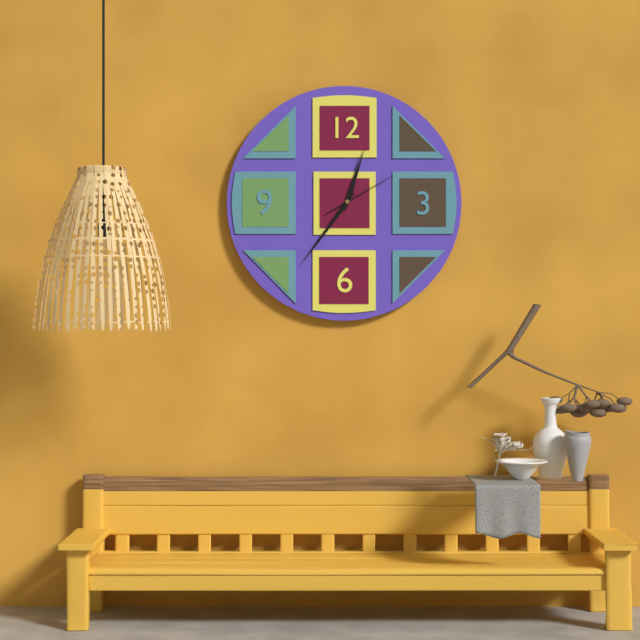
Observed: 12.36.10
